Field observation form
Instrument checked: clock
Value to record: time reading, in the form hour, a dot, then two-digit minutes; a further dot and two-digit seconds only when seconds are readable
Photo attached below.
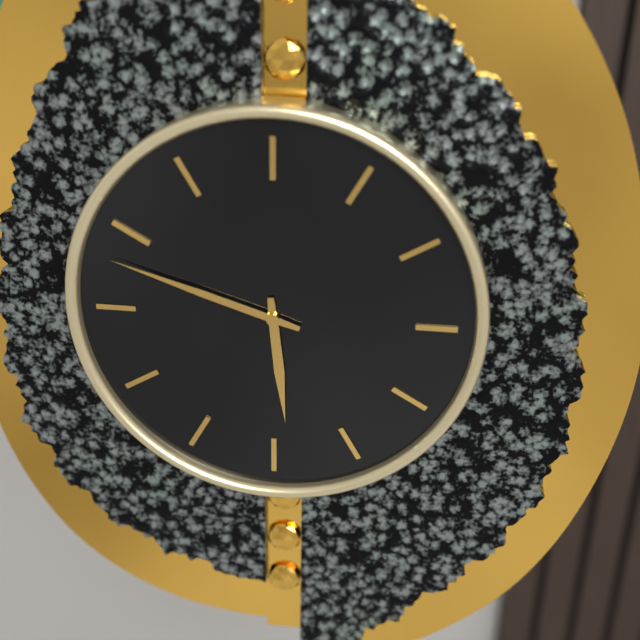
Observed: 5.48
